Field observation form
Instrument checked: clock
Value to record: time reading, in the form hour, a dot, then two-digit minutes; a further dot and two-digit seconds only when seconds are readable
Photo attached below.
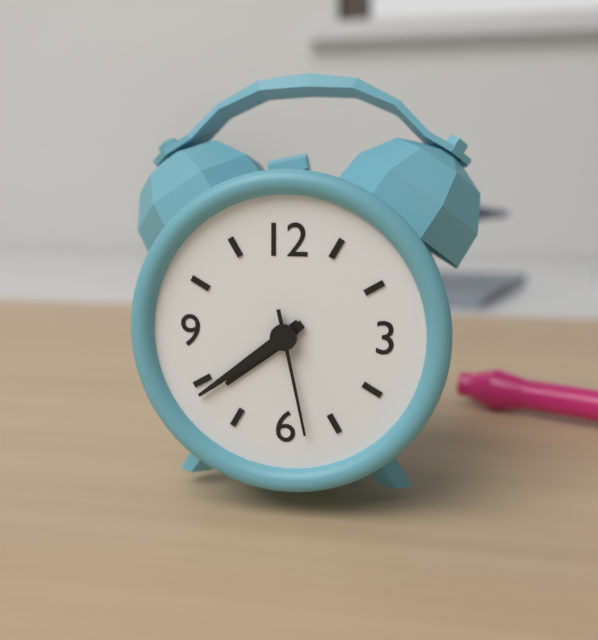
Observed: 7.39.28
